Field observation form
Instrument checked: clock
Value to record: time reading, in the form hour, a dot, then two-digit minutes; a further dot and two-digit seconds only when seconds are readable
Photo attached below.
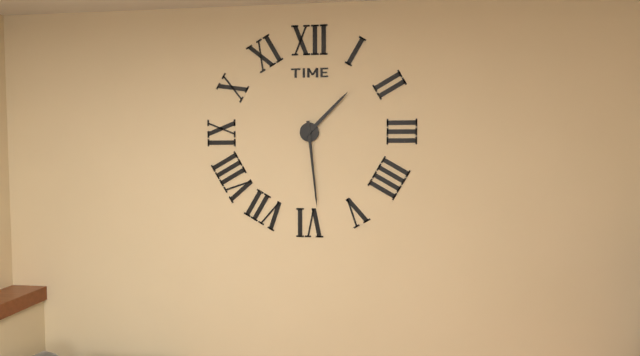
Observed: 1.29
